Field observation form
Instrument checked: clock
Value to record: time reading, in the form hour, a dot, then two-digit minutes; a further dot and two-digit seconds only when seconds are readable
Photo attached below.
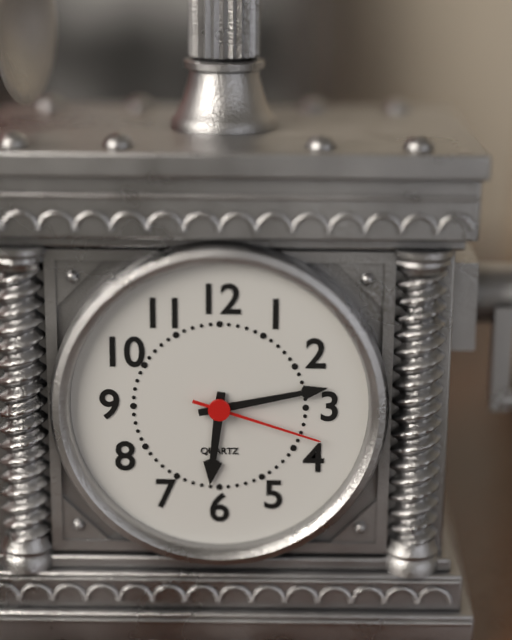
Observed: 6.13.18
